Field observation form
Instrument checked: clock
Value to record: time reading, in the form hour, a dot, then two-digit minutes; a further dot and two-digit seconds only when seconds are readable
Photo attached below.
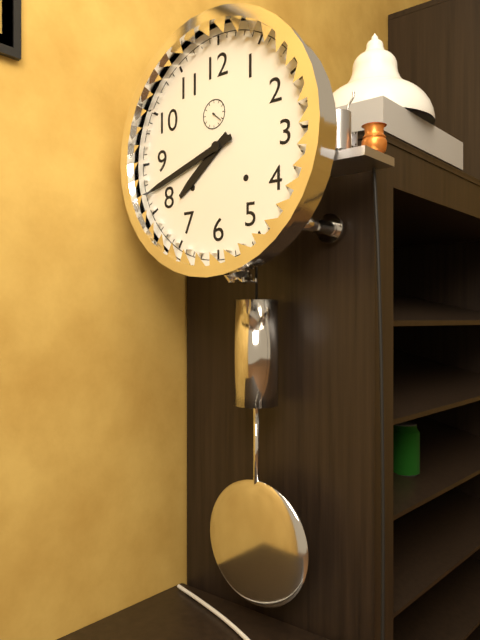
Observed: 7.42
